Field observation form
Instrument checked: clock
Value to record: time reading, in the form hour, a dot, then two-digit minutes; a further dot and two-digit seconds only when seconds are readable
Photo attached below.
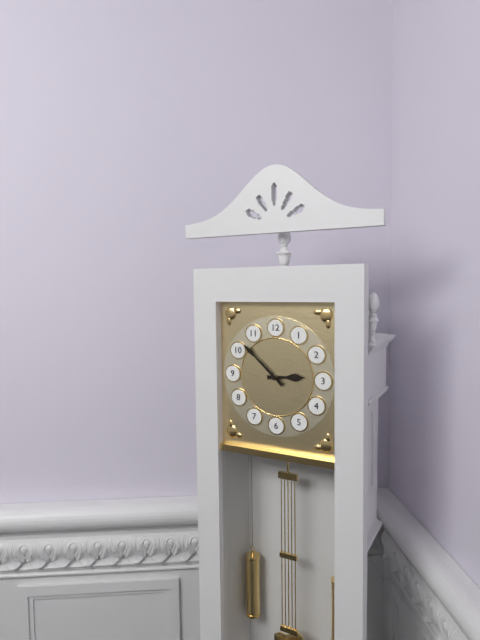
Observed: 2.52
